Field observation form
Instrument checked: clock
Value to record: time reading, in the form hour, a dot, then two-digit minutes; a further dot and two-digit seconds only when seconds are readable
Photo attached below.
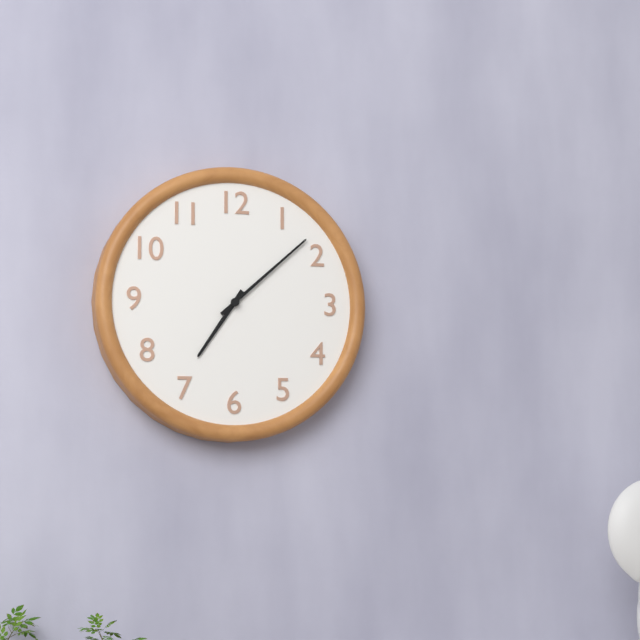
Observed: 7.08
